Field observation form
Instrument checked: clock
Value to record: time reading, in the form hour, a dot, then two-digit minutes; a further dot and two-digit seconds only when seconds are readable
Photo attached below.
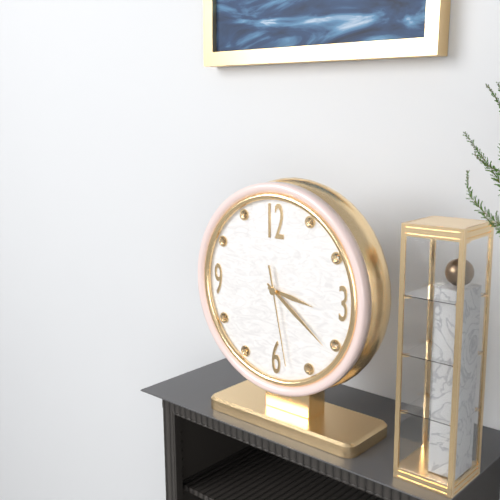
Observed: 3.21.28
